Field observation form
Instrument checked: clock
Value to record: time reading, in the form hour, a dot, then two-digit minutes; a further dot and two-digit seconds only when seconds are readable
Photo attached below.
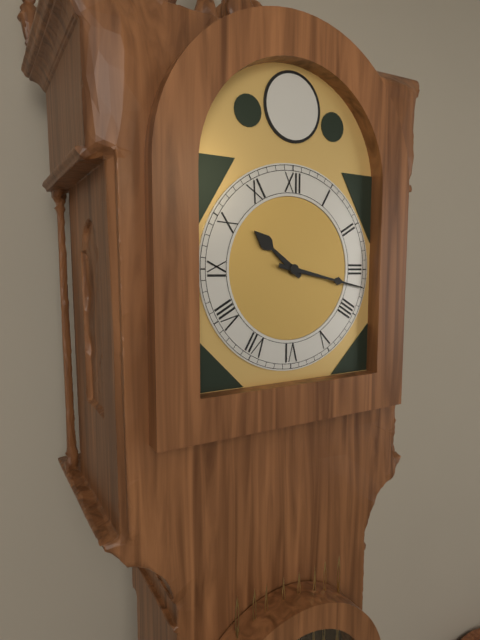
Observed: 10.17
